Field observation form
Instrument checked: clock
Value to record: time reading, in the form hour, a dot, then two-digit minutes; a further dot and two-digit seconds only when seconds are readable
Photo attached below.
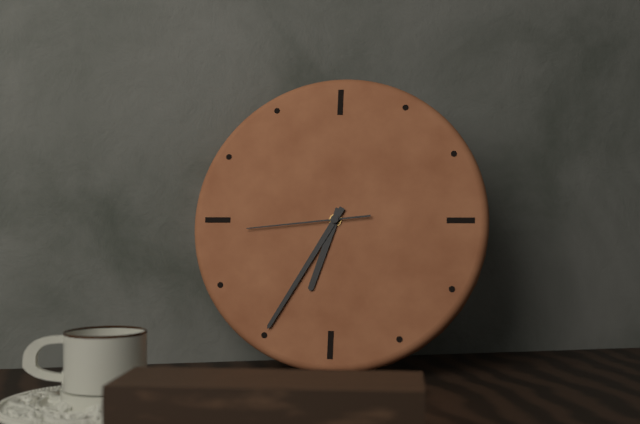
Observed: 6.35.44
